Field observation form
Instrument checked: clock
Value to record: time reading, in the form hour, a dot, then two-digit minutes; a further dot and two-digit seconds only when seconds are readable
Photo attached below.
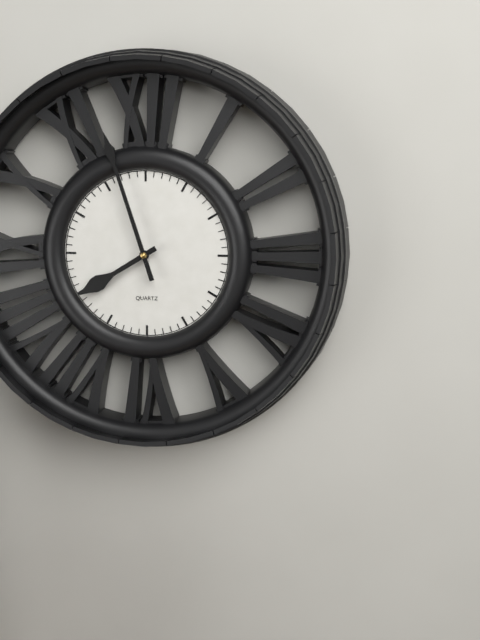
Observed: 7.57
